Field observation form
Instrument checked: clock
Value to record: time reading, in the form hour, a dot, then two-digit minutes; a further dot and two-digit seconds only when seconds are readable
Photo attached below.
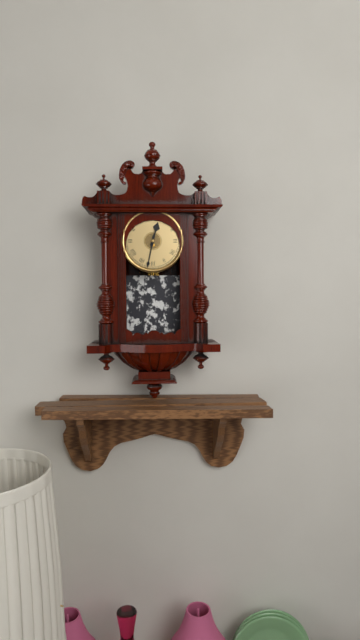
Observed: 12.32
